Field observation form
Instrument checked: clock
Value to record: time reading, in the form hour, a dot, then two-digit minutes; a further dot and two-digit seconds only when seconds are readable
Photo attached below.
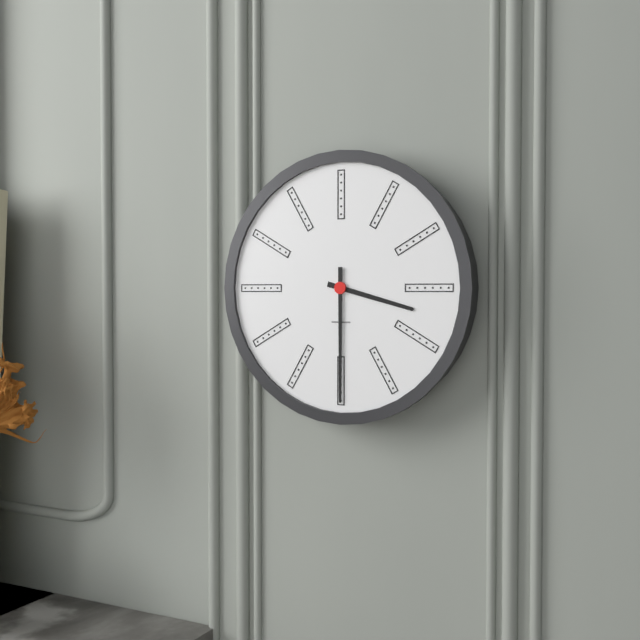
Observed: 3.30
